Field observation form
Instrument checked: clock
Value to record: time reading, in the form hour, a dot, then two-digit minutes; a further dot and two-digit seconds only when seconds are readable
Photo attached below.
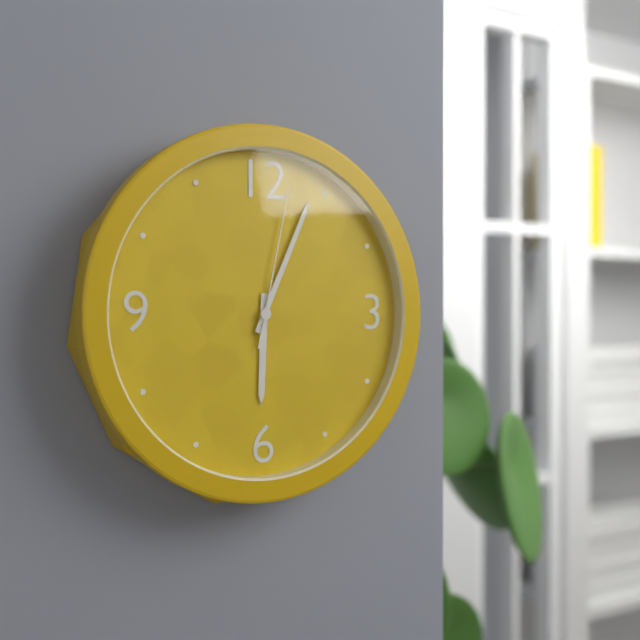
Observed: 6.04.02
